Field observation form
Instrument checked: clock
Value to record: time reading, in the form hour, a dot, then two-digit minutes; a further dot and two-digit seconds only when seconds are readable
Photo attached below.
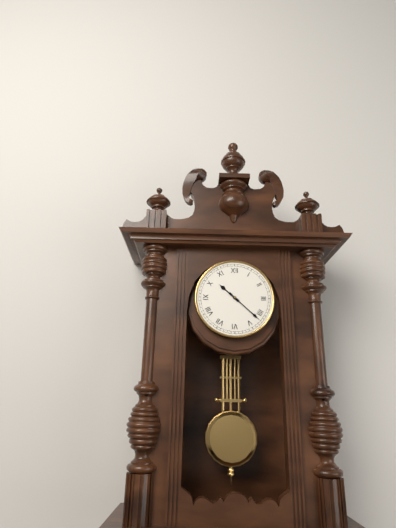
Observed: 10.22
